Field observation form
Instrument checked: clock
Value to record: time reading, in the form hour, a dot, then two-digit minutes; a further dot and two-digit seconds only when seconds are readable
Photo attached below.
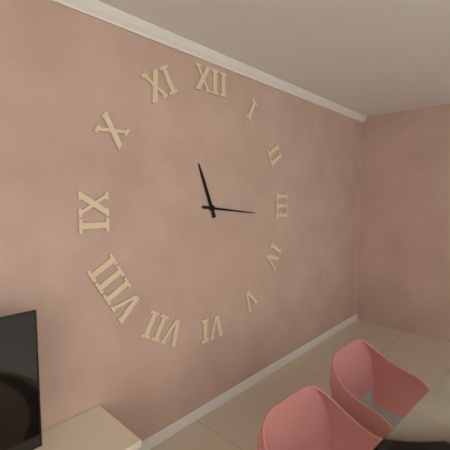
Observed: 11.16
